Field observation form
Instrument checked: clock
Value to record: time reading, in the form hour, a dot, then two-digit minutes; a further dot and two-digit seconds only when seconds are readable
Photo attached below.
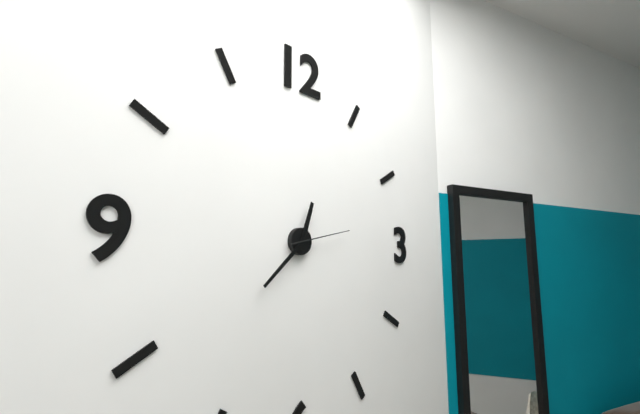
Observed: 12.38.13
